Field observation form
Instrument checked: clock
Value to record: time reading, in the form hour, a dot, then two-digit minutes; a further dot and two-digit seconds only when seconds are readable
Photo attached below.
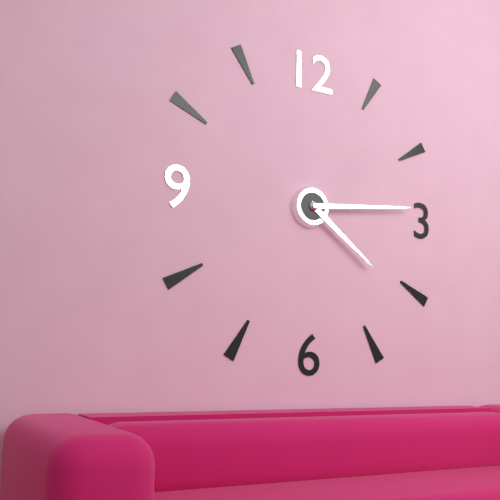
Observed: 4.14
